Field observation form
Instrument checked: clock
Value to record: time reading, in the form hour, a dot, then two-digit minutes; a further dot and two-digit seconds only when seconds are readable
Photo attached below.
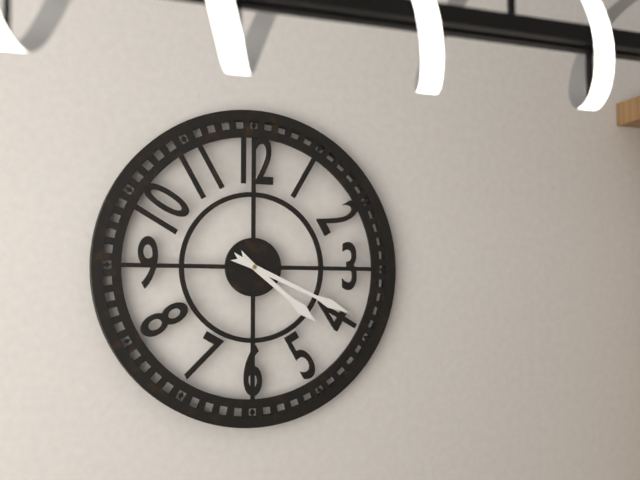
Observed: 4.19
